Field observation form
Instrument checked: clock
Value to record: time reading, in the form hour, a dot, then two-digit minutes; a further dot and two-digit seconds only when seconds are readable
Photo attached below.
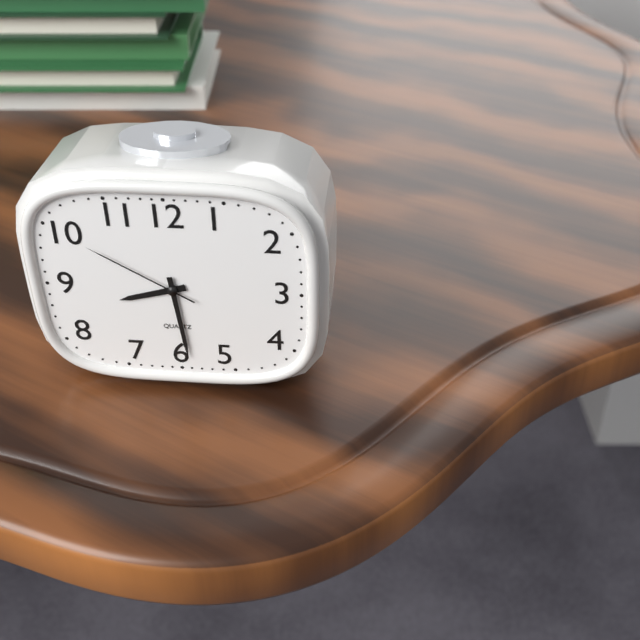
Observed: 8.29.50
